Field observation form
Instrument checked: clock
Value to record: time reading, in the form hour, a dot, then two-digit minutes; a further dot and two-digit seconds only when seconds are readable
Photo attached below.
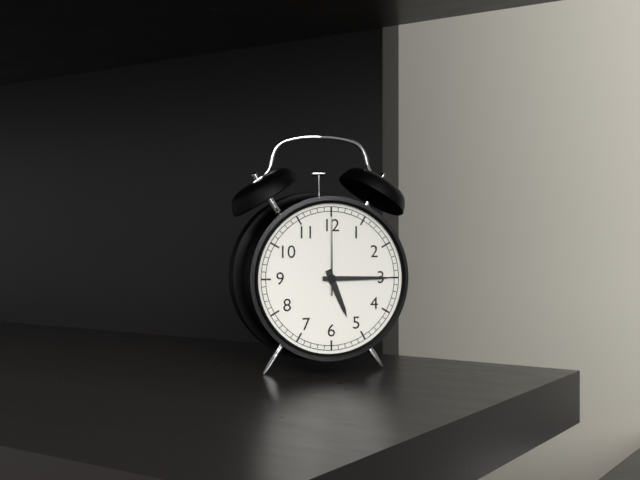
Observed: 5.15.00
